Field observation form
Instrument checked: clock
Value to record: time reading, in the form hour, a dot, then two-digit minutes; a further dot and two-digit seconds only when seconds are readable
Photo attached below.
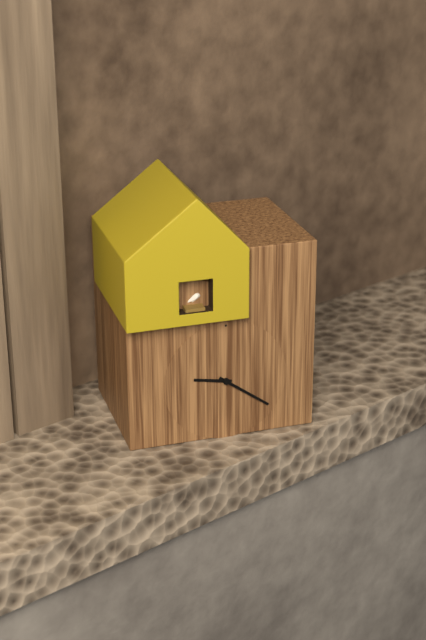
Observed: 9.21
